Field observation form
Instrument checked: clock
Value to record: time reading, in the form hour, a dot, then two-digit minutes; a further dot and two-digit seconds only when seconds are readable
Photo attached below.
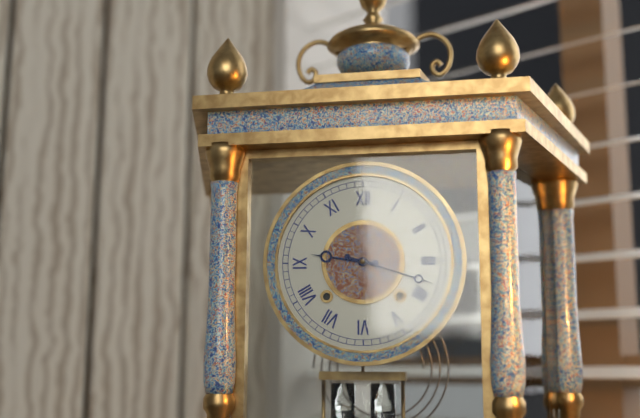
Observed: 9.18
